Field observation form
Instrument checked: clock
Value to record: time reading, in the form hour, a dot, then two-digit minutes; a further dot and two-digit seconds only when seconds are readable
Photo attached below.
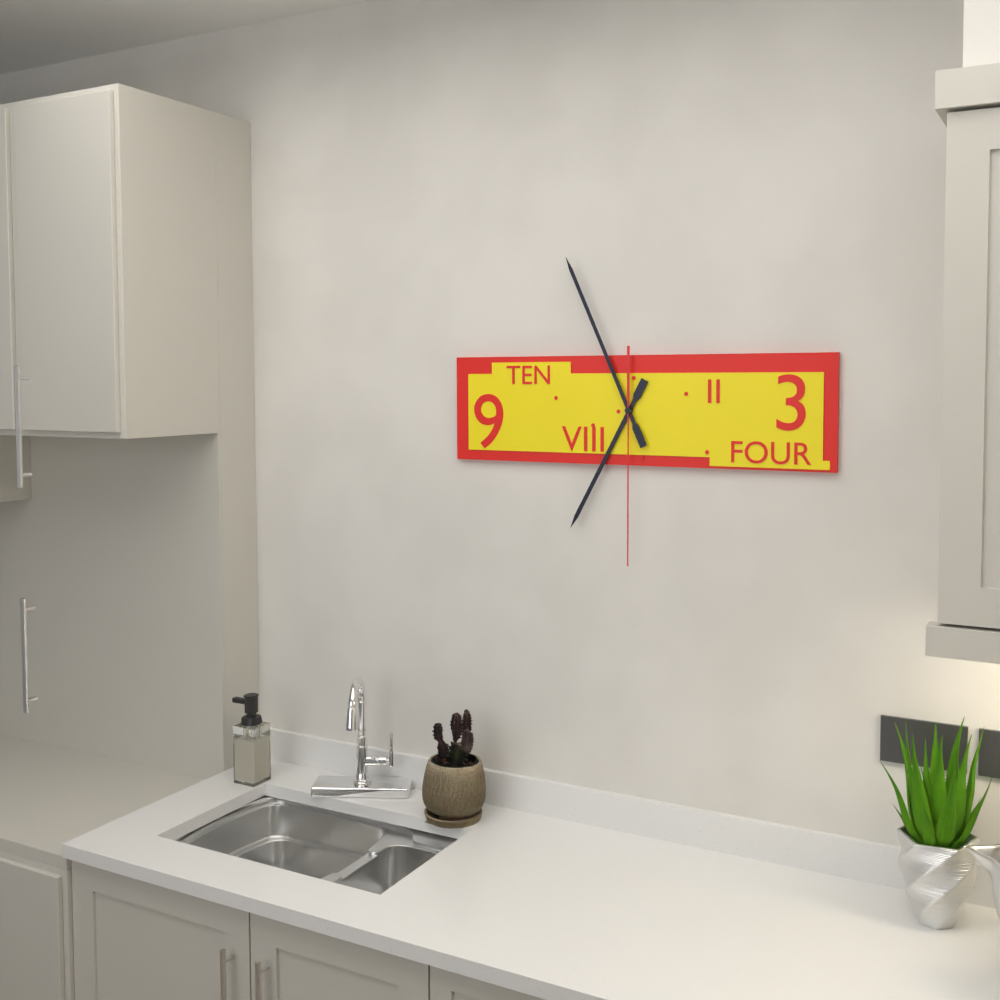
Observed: 6.56.30
